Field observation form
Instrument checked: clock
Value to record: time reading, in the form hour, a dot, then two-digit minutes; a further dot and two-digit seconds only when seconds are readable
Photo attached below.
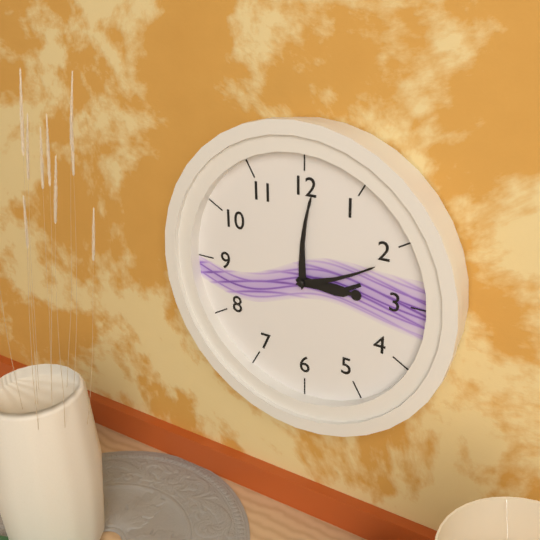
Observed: 3.01.11
